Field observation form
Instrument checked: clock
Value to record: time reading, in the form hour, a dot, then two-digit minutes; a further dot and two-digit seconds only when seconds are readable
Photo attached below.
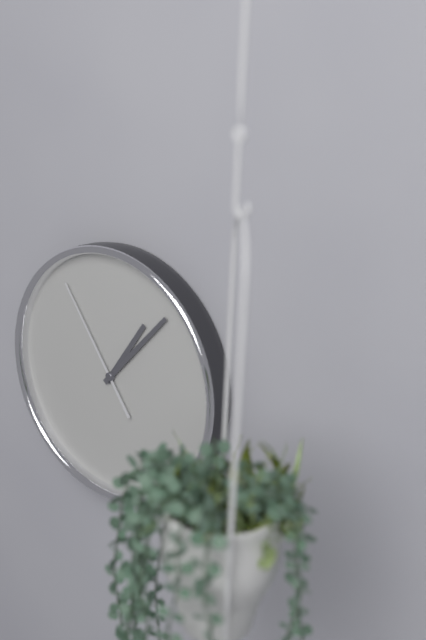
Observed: 1.07.54
